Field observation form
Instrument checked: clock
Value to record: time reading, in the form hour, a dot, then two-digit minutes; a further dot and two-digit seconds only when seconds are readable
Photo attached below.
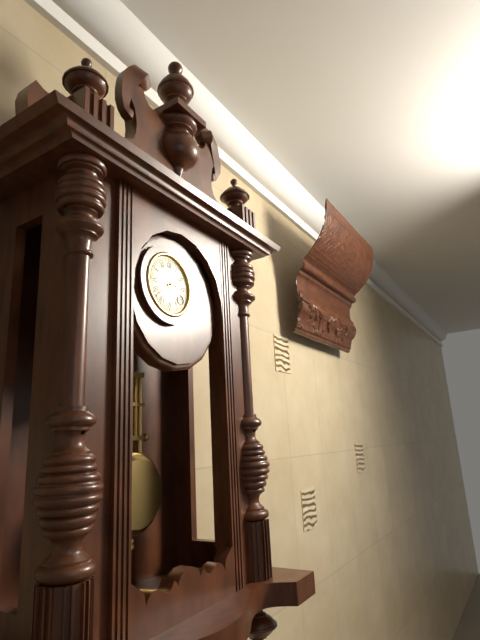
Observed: 2.38
